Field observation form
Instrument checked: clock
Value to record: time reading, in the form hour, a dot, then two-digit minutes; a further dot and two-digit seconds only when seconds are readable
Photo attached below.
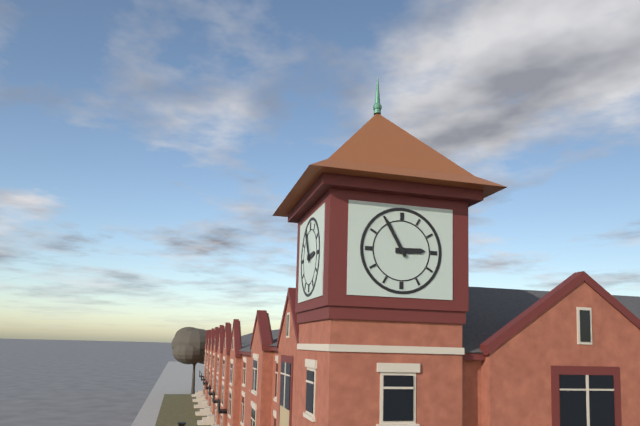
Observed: 2.55
